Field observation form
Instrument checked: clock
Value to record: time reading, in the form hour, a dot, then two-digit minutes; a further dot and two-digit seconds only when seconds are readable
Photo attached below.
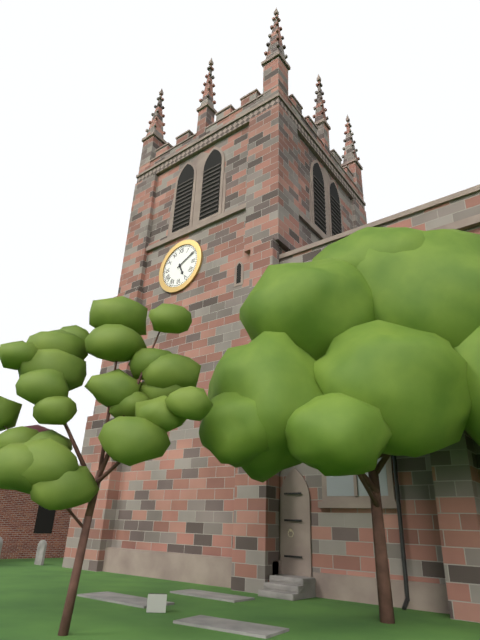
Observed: 5.10
